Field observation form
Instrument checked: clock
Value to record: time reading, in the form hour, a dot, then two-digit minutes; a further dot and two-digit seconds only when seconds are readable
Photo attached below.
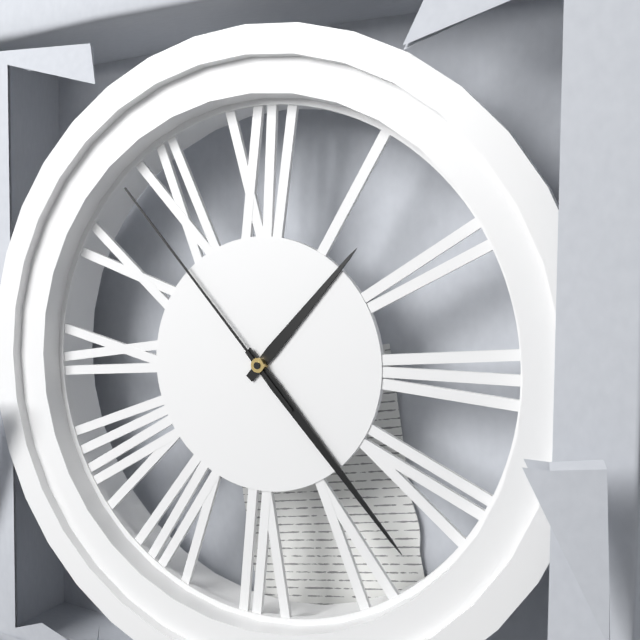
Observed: 1.23.53
